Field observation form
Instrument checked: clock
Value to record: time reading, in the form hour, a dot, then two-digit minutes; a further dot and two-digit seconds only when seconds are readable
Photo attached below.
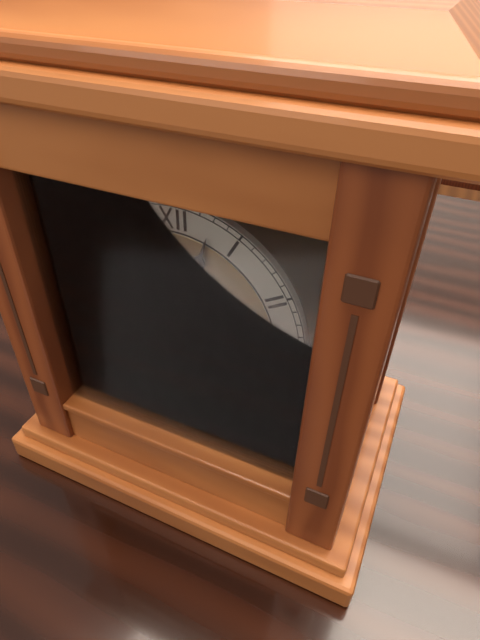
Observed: 8.03
